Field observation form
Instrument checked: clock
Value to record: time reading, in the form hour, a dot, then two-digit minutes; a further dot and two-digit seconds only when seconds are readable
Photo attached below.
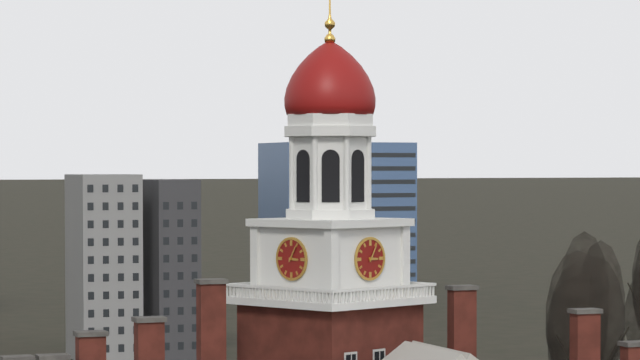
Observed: 3.05
